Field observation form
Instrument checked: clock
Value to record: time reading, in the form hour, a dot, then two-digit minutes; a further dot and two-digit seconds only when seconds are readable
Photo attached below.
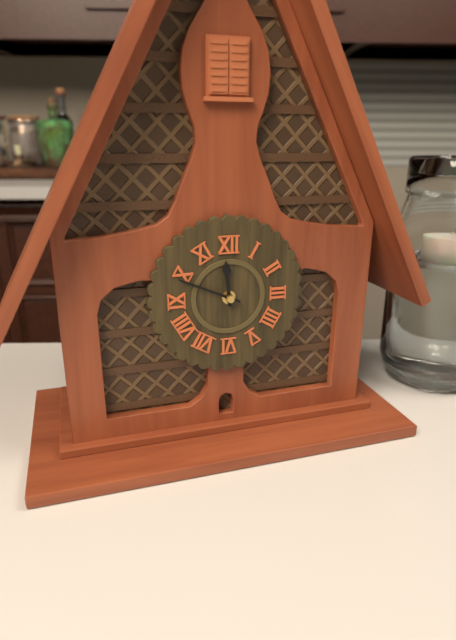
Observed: 11.49
